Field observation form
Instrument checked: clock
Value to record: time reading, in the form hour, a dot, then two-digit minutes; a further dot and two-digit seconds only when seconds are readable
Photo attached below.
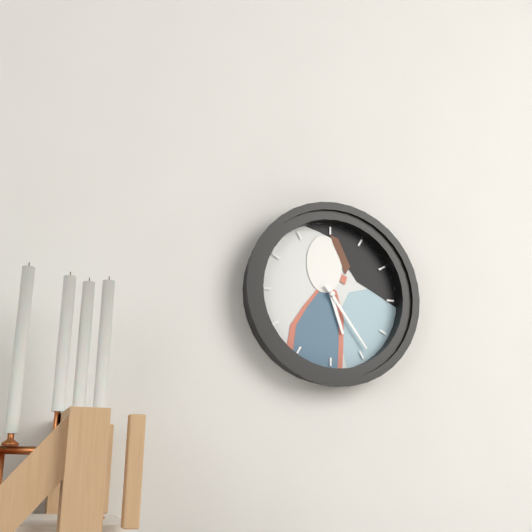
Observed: 5.24
